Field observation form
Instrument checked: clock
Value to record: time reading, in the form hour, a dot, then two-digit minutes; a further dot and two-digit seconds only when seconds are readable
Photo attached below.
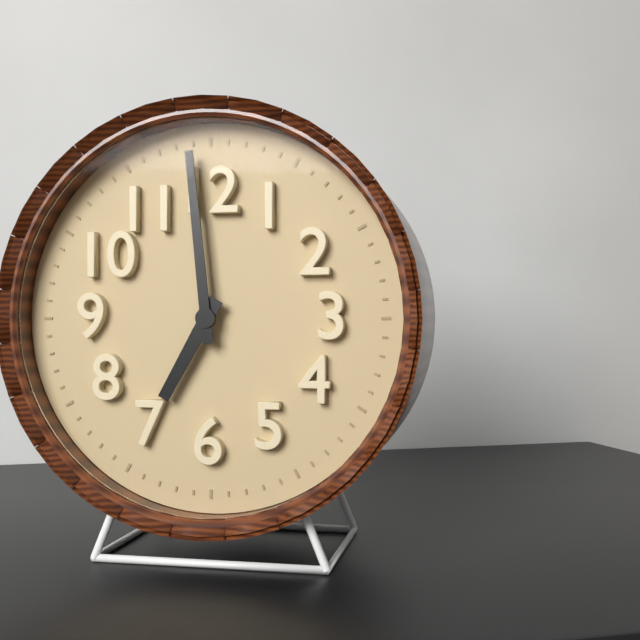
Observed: 6.59
